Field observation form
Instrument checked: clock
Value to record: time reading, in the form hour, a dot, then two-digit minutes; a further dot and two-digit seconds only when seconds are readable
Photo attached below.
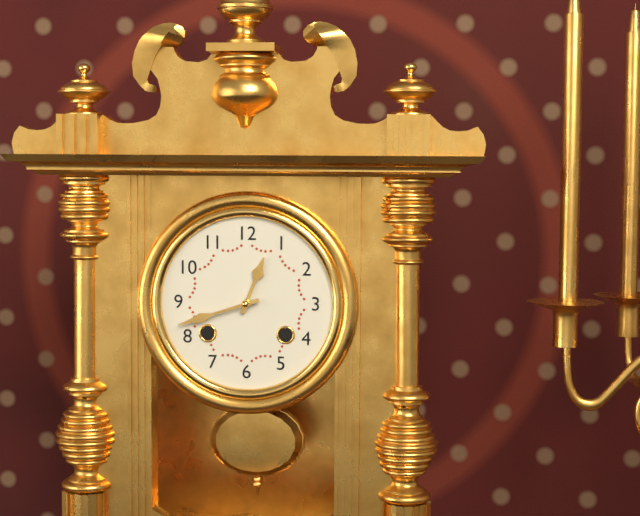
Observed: 12.42
